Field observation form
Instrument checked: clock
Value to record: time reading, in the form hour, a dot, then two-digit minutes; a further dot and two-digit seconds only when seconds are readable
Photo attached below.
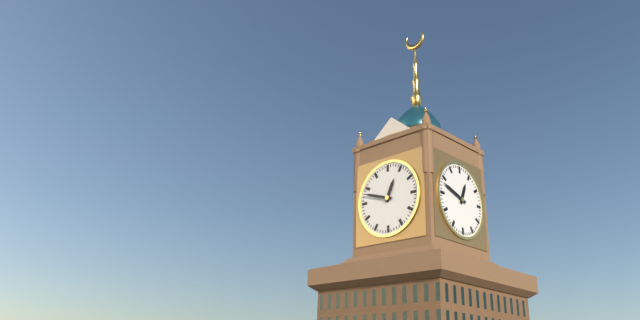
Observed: 12.48
